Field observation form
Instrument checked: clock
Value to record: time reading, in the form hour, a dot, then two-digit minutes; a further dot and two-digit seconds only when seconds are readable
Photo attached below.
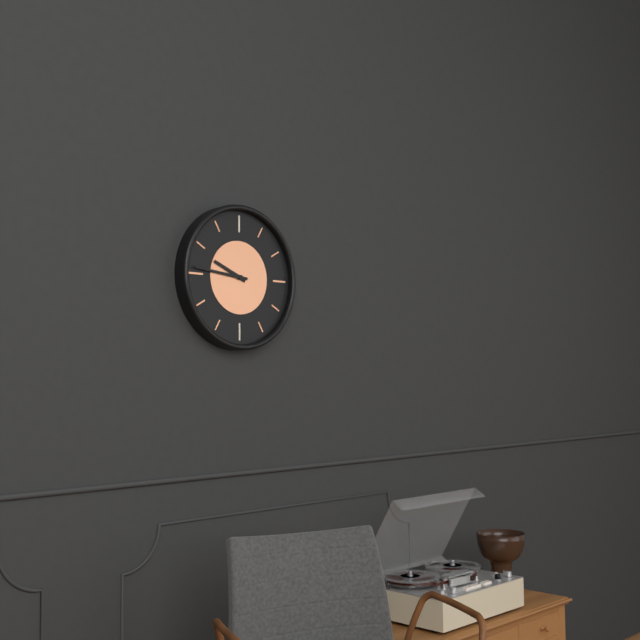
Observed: 9.46
